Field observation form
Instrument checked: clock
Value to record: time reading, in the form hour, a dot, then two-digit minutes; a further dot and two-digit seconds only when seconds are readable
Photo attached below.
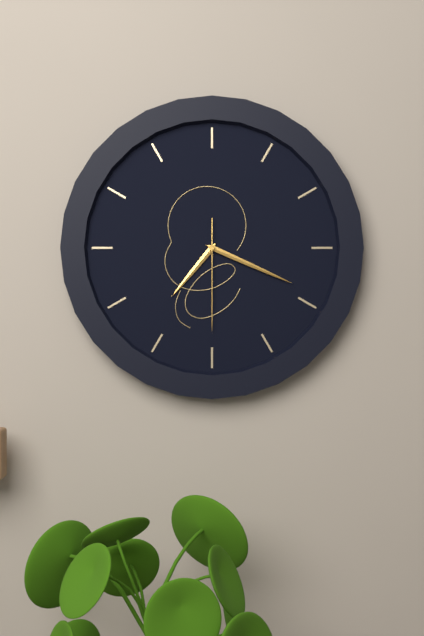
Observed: 7.19.30
